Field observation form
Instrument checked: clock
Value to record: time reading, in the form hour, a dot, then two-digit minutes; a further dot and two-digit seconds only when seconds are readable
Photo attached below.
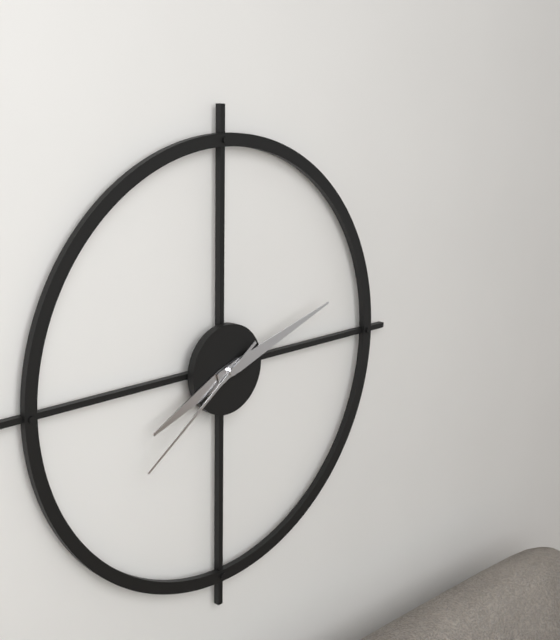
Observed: 8.12.39
